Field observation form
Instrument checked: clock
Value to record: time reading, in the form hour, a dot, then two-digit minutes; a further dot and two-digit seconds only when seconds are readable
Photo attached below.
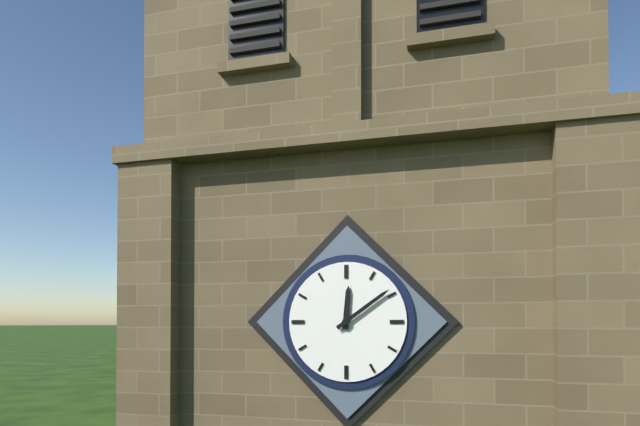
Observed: 12.09
